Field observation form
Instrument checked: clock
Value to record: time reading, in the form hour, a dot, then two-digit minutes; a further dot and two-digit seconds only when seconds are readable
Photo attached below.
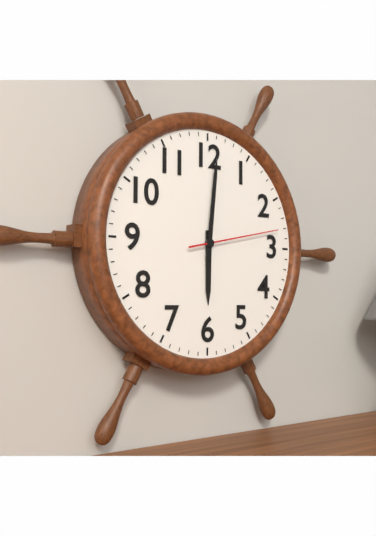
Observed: 6.01.13
